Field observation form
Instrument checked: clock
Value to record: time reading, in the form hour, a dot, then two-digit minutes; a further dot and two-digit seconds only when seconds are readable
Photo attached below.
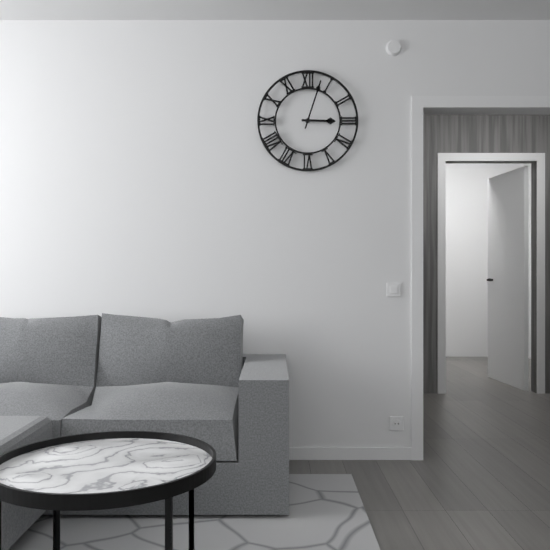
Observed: 3.03
